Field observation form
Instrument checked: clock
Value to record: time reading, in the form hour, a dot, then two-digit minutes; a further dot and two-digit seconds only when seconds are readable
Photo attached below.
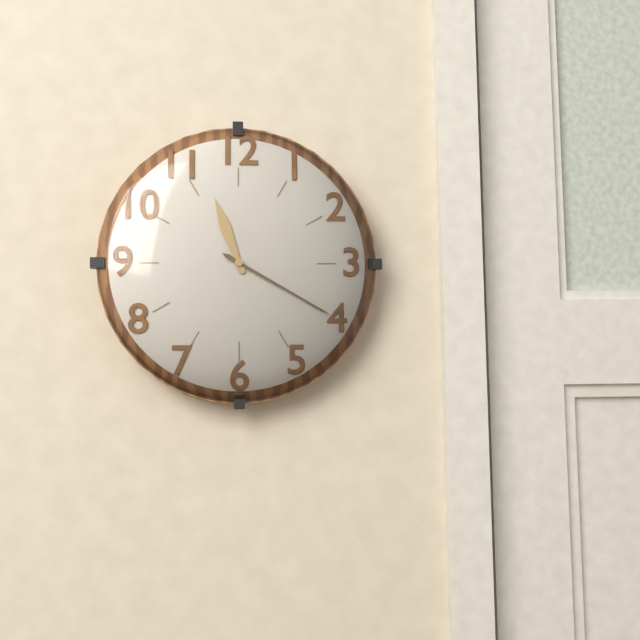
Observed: 11.20
